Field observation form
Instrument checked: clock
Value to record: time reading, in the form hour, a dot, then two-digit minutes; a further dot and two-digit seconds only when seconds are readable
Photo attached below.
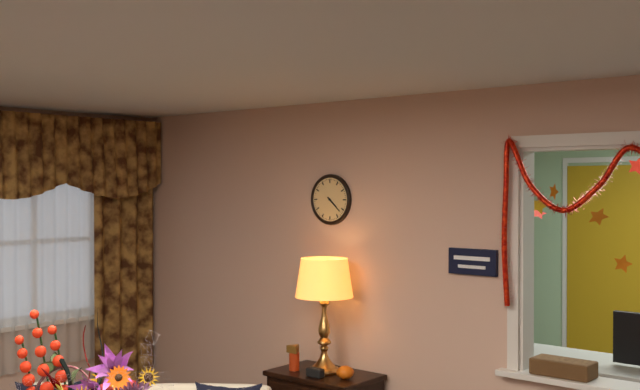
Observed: 4.22
